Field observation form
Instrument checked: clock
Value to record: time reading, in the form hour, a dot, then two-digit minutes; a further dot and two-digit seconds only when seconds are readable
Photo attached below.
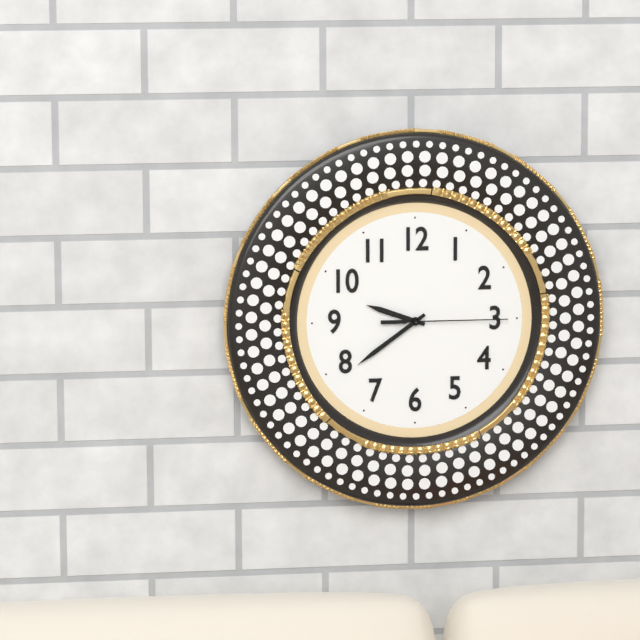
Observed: 9.39.15
